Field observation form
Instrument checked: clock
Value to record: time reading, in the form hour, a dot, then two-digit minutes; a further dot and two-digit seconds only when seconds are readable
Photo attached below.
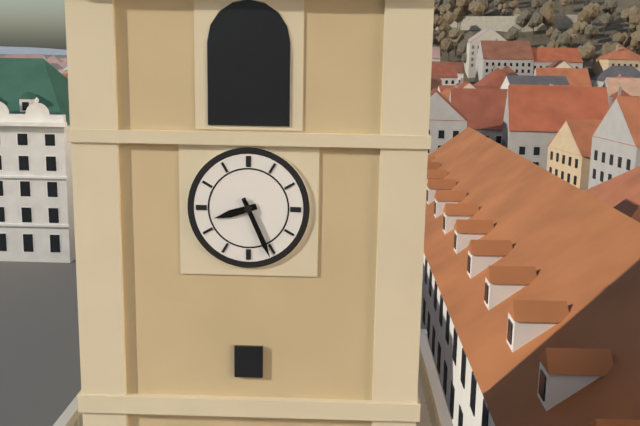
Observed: 8.26
